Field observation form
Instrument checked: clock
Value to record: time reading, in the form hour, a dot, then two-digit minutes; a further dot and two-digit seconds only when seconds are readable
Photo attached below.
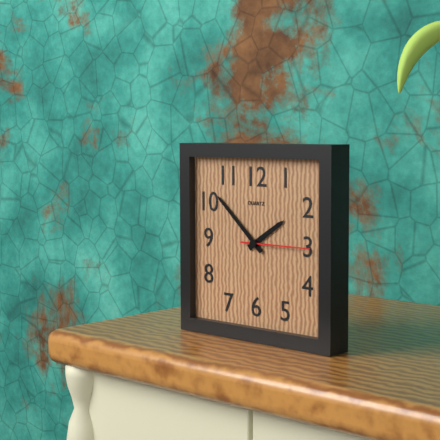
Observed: 1.52.15
